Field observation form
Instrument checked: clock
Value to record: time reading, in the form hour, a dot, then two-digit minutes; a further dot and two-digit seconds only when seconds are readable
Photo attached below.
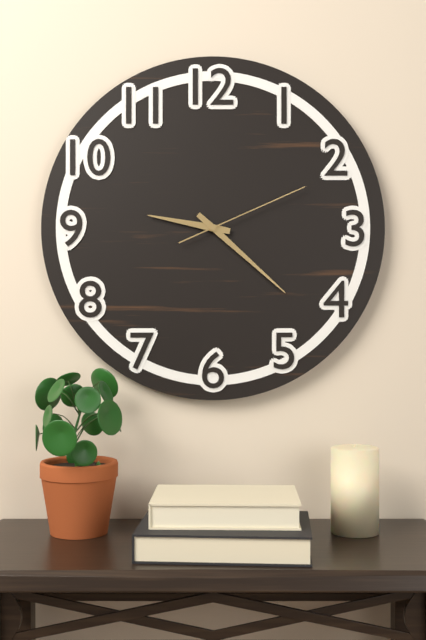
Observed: 9.22.11
